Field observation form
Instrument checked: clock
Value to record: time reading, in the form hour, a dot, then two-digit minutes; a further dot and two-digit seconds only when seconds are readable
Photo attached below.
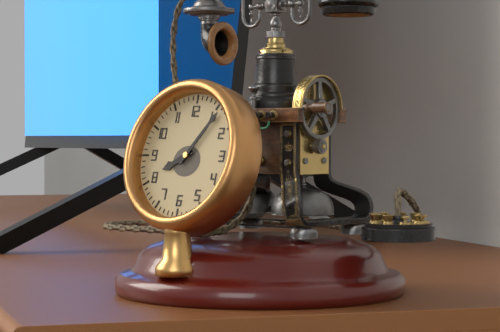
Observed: 8.06
